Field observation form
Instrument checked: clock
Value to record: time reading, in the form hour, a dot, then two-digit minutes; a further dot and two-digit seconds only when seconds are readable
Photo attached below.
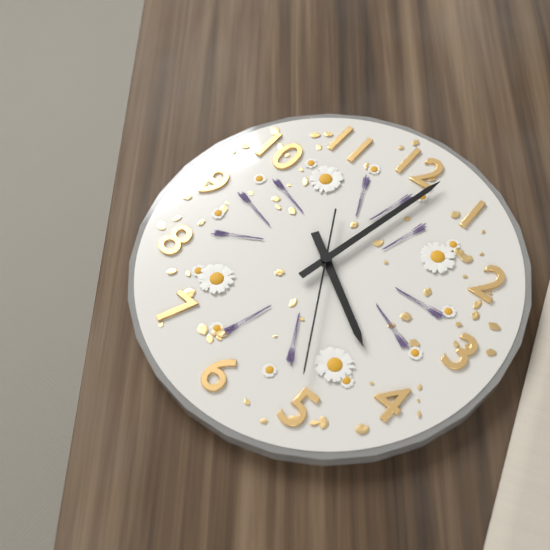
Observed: 4.02.25
